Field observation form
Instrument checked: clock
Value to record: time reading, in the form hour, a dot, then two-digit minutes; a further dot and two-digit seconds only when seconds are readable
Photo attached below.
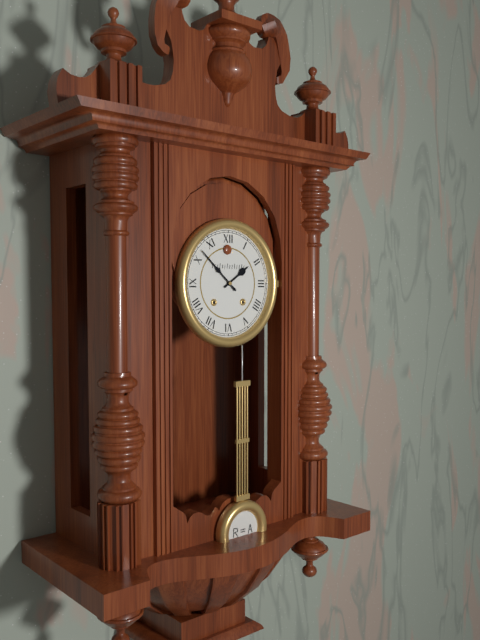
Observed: 1.52
